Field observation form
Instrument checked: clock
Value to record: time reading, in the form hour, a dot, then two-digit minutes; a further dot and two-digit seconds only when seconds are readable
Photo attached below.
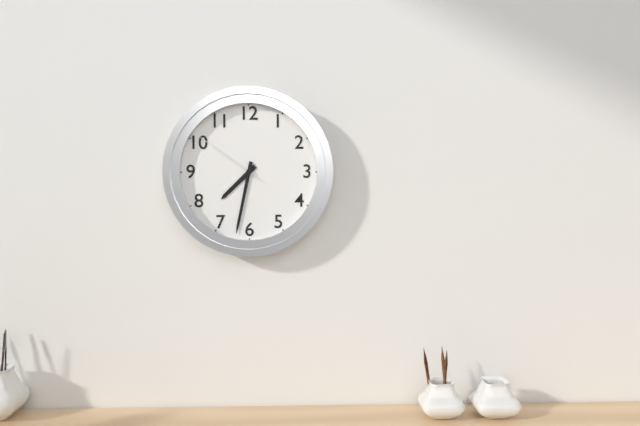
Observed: 7.32.51
